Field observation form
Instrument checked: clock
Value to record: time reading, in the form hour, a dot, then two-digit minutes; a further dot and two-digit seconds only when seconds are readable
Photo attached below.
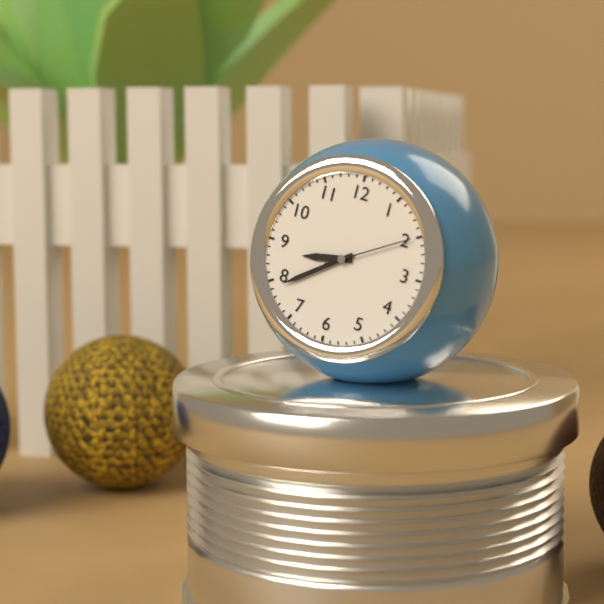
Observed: 8.39.10
